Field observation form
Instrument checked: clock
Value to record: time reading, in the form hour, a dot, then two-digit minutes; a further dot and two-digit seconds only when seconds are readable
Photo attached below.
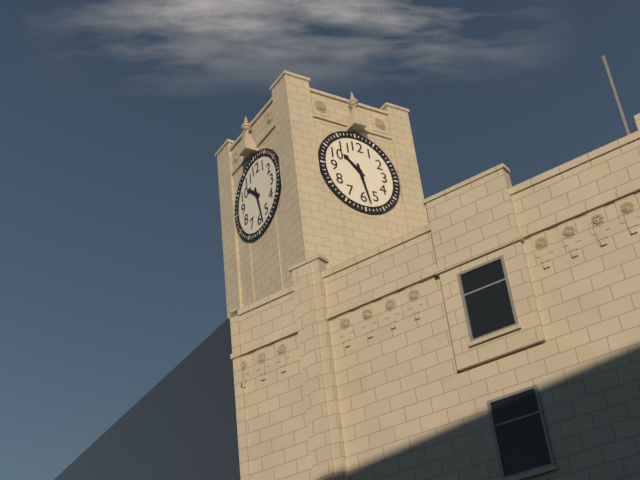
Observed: 10.28
